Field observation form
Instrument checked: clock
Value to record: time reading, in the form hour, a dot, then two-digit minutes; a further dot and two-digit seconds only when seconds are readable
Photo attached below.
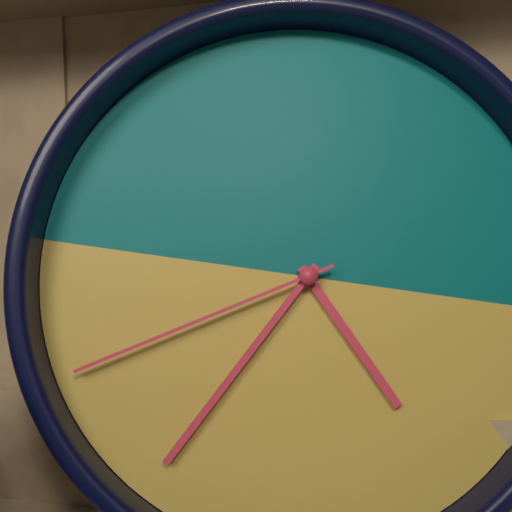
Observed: 4.35.40
